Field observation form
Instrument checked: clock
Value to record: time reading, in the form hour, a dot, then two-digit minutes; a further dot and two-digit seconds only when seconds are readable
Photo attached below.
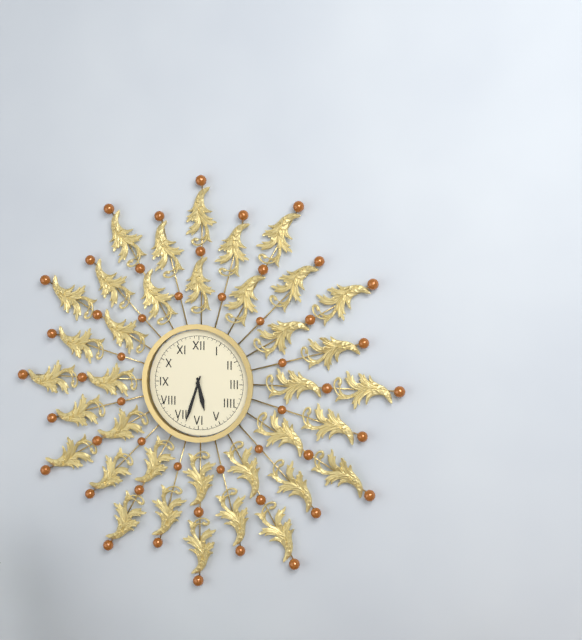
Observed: 5.33
